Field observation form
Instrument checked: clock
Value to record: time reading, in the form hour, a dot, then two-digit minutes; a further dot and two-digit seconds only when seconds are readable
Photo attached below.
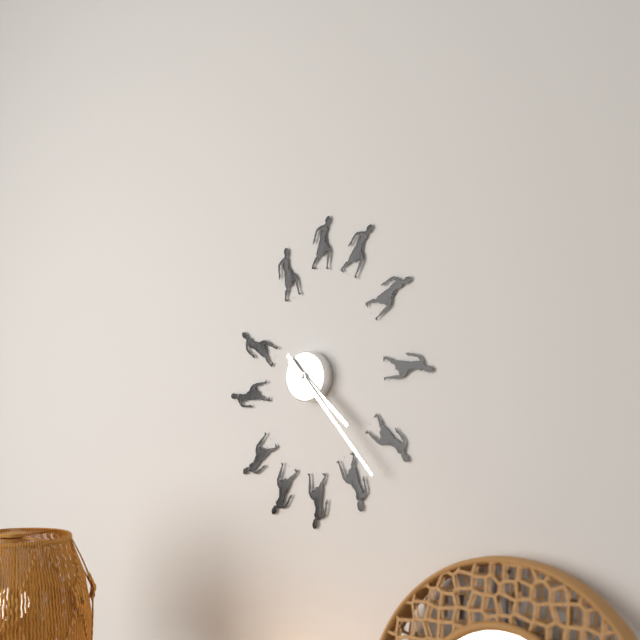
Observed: 4.23
